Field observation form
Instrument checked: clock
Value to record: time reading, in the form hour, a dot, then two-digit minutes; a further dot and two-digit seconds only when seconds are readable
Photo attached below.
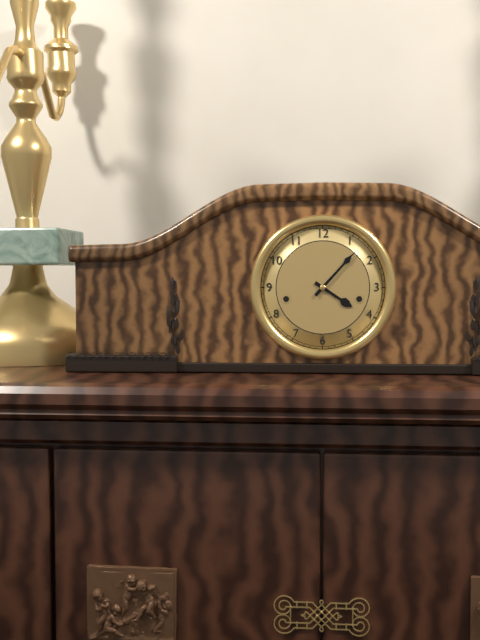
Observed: 4.07
